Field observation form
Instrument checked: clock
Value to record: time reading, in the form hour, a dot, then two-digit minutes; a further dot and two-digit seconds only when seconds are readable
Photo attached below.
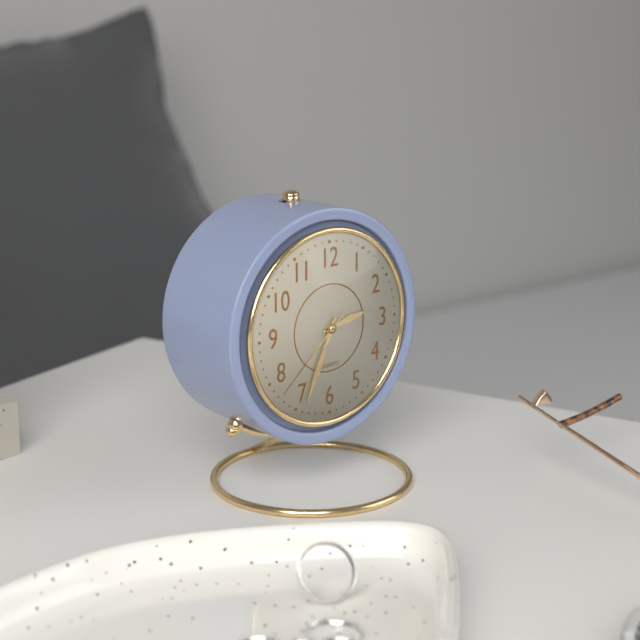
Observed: 2.34.38
